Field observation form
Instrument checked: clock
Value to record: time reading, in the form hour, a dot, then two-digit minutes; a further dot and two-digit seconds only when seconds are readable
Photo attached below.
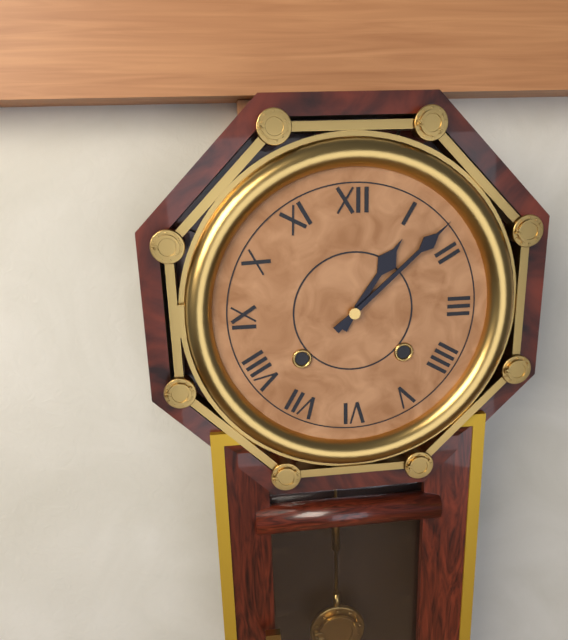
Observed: 1.08
